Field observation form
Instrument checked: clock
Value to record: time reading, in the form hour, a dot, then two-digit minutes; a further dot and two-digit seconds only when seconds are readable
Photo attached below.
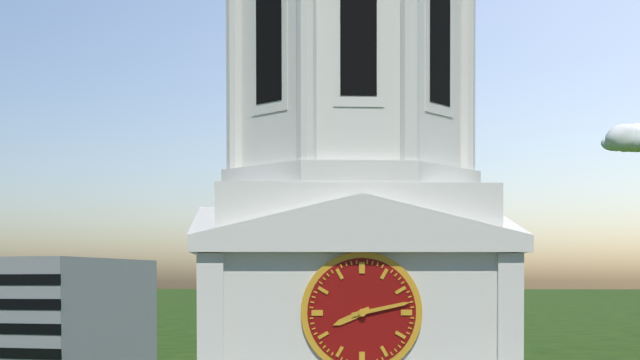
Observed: 8.13
